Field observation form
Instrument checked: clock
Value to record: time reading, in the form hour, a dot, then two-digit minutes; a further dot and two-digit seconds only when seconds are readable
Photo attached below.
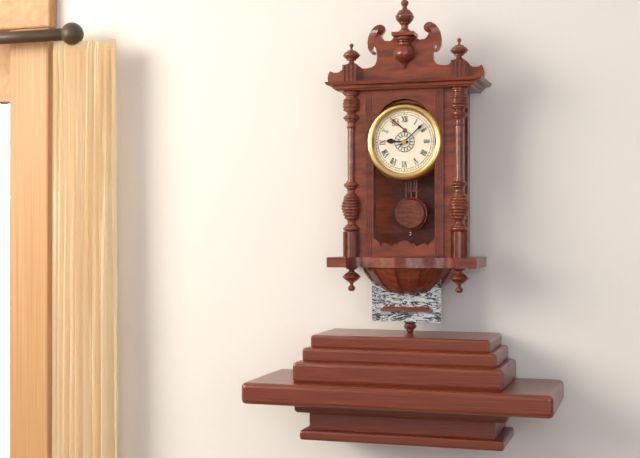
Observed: 9.08
